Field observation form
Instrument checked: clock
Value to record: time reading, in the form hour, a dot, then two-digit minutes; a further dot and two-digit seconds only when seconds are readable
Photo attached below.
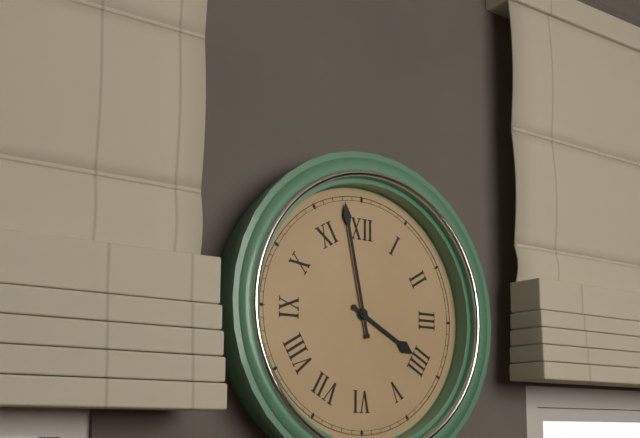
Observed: 3.58
